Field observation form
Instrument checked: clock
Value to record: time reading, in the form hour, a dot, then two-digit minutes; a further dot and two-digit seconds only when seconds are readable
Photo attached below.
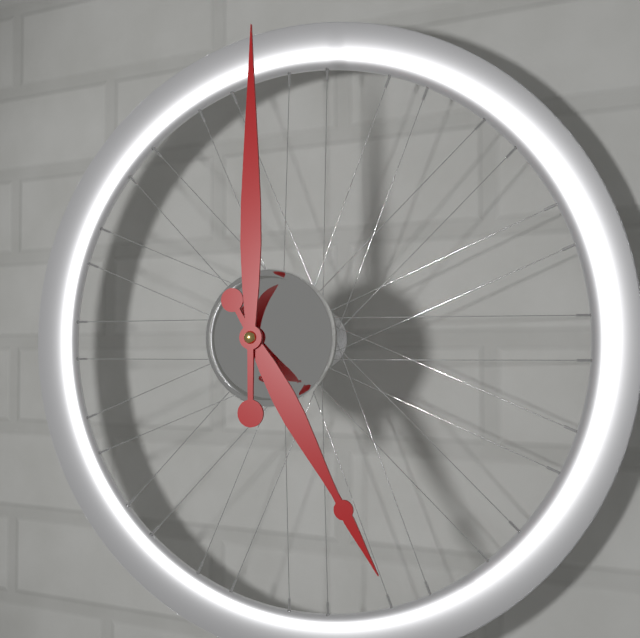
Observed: 5.00
